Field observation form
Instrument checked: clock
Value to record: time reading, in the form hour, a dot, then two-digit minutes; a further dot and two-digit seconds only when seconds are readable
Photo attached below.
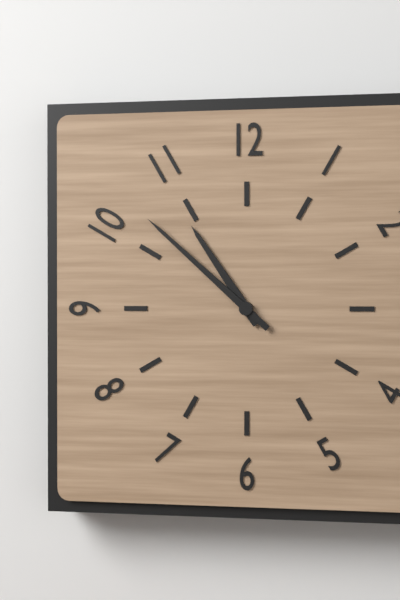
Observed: 10.52
